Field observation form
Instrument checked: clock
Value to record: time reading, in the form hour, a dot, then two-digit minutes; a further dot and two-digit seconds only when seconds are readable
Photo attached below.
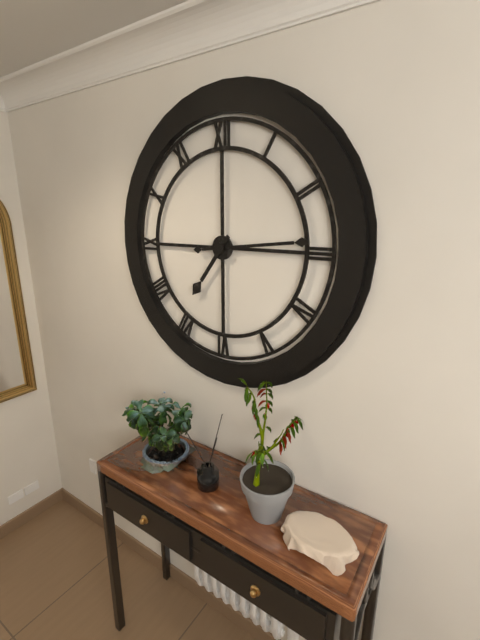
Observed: 7.14
